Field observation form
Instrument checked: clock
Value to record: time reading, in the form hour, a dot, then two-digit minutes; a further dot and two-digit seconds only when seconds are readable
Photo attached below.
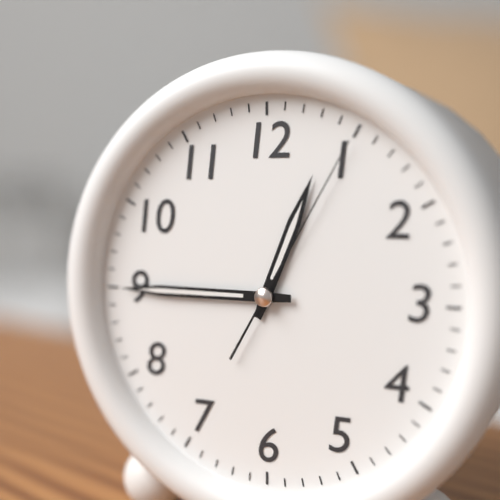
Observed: 12.45.05
